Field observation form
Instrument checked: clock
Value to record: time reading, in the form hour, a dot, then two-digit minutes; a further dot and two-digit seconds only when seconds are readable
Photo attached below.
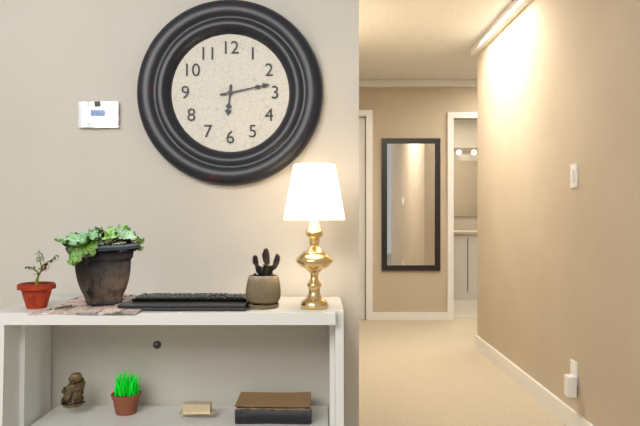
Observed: 6.13
